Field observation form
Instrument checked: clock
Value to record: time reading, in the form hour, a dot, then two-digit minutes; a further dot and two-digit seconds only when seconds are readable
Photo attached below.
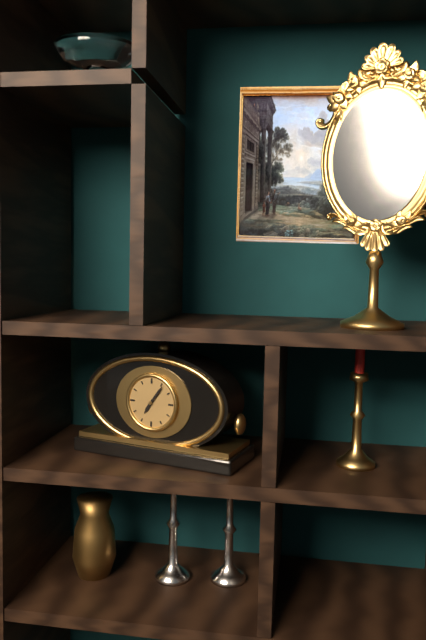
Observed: 7.06
